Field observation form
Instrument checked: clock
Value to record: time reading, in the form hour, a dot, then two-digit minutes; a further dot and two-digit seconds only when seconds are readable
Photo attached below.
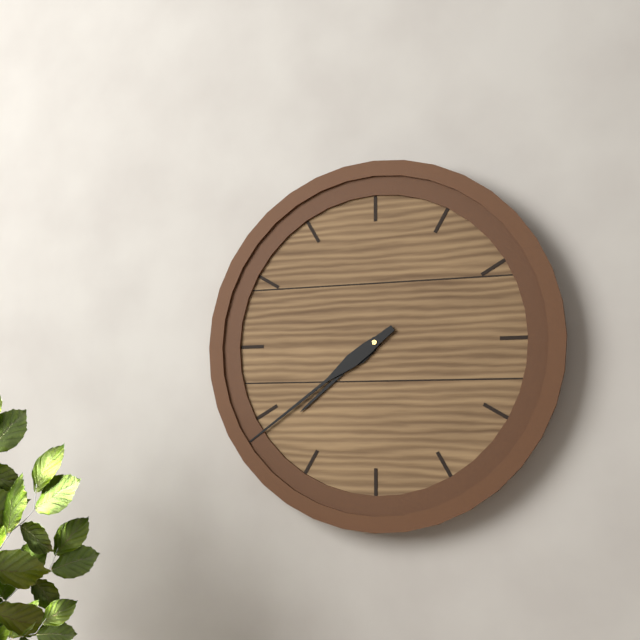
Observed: 7.39
